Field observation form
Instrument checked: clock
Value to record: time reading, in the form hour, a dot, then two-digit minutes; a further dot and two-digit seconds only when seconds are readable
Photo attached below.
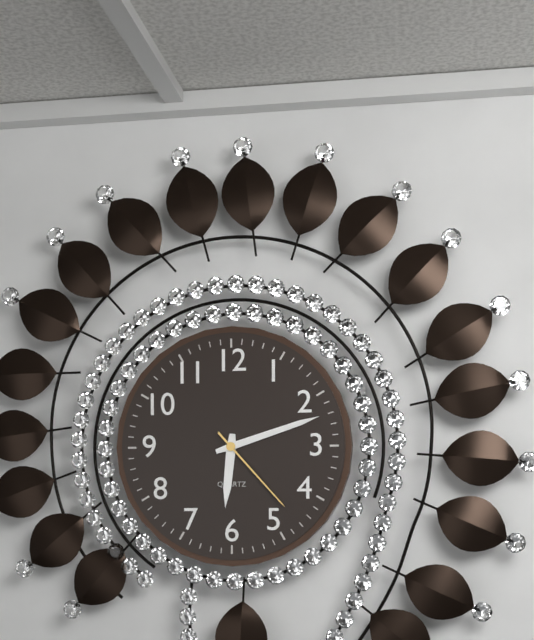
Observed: 6.12.23
